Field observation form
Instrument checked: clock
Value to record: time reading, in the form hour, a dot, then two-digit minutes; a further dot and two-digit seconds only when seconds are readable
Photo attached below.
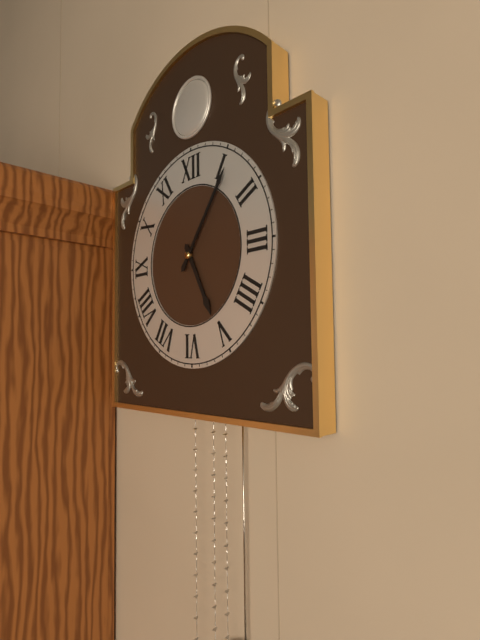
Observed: 5.06
